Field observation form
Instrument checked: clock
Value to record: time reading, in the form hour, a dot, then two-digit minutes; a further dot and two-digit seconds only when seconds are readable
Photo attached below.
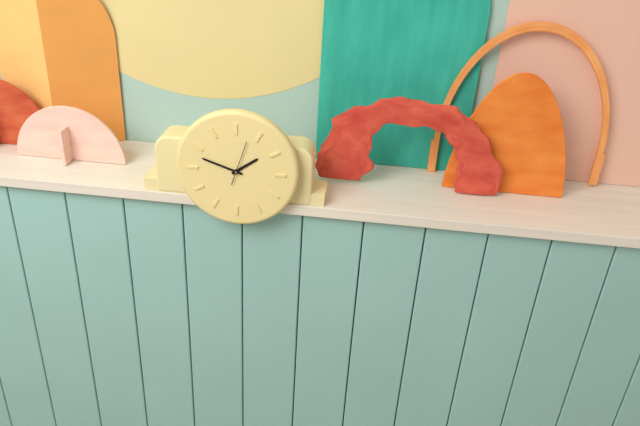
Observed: 1.48
